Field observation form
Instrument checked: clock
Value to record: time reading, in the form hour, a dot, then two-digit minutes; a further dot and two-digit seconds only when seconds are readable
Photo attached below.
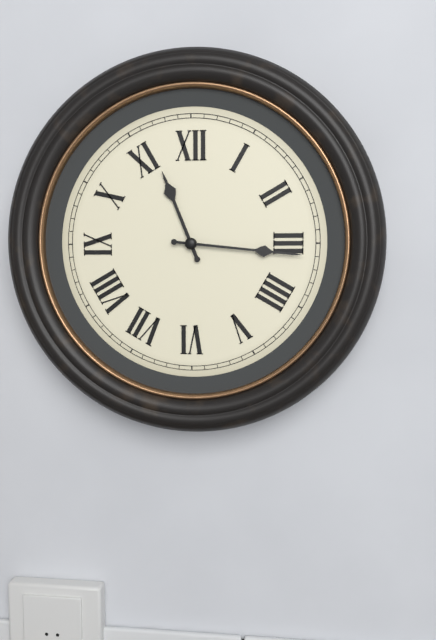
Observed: 11.16
